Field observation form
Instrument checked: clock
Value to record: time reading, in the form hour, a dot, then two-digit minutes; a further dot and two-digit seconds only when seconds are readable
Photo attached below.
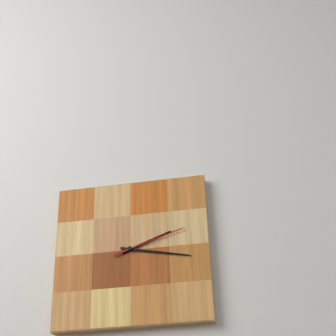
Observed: 2.17.12
